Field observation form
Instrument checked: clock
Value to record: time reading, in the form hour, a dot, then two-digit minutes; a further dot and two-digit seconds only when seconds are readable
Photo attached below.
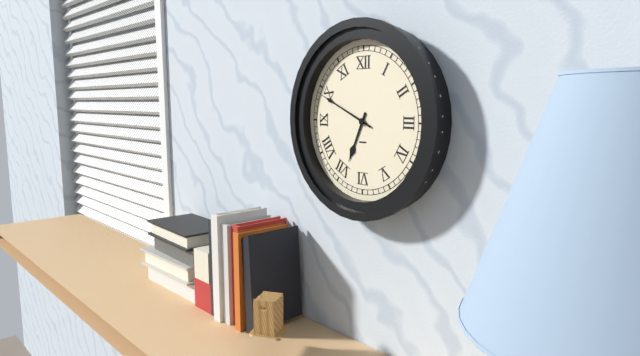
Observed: 6.49
